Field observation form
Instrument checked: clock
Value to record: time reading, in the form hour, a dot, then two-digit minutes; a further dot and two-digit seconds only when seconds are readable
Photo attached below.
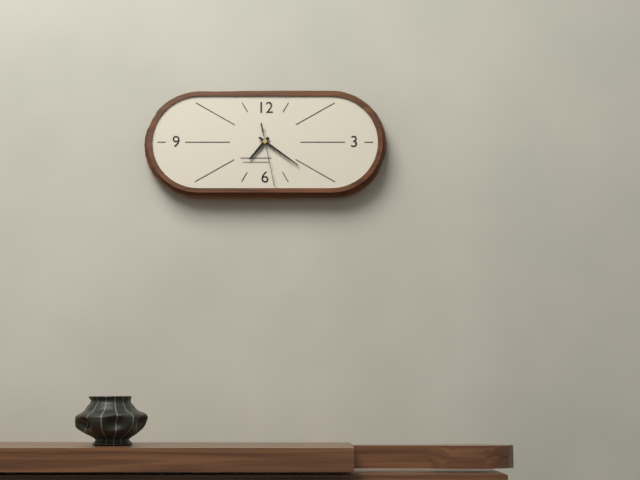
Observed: 7.21.28
